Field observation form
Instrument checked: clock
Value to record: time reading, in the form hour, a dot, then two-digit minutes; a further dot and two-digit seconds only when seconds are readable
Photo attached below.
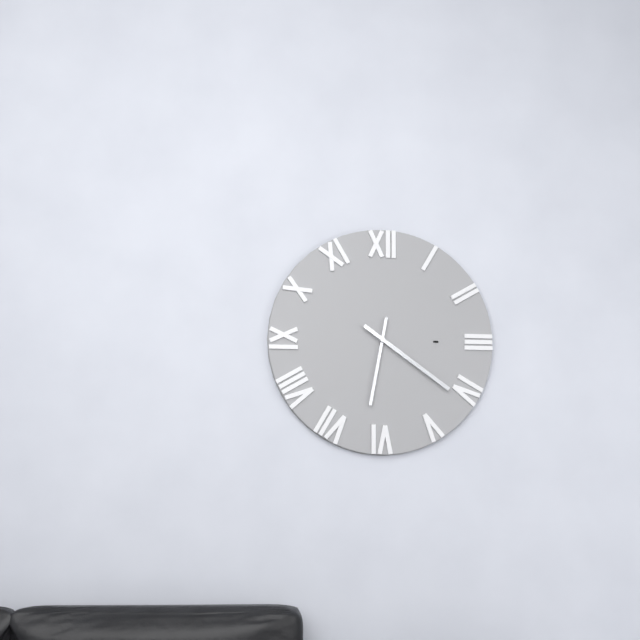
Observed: 6.21
